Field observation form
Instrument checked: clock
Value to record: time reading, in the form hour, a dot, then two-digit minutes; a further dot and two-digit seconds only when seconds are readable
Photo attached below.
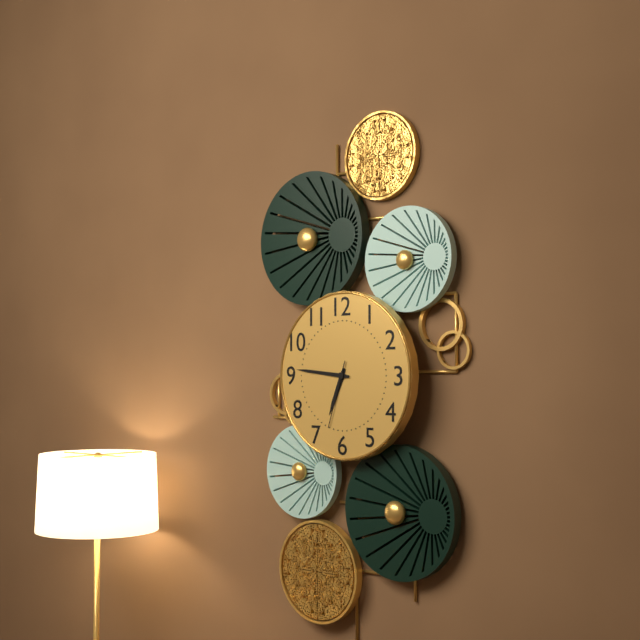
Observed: 6.46.33
